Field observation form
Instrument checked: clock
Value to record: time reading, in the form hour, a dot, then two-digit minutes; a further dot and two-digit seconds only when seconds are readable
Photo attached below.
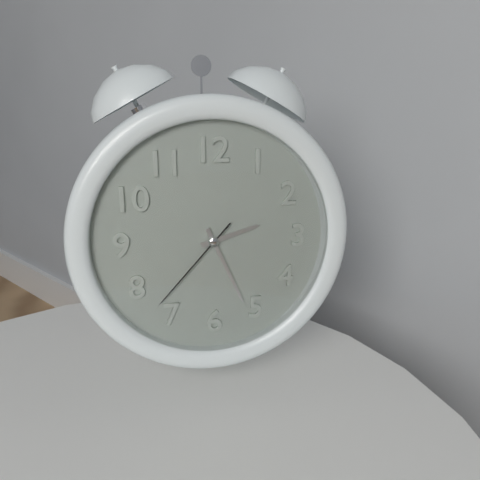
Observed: 2.26.37
